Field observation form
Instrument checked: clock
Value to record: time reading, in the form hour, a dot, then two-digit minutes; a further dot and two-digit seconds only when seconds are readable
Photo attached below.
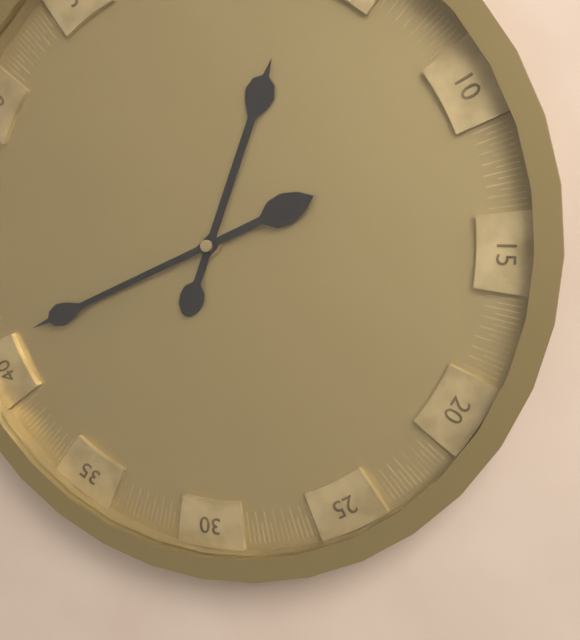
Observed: 12.41
